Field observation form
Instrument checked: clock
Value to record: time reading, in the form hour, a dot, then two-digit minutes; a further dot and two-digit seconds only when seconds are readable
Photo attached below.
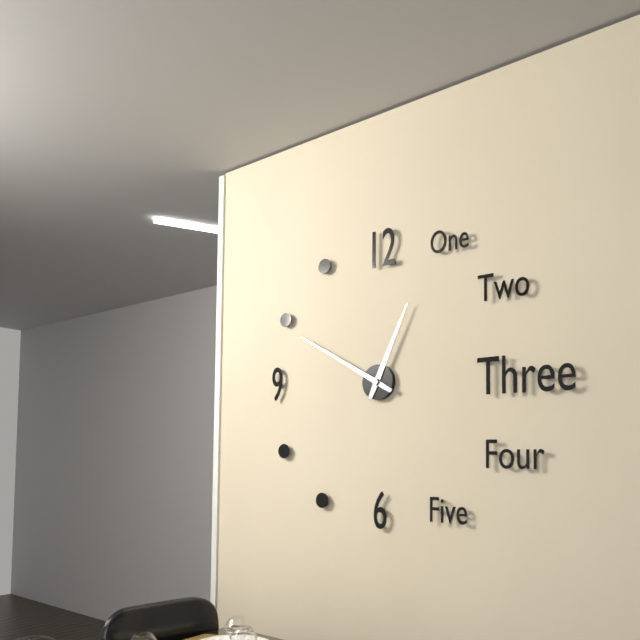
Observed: 12.50
